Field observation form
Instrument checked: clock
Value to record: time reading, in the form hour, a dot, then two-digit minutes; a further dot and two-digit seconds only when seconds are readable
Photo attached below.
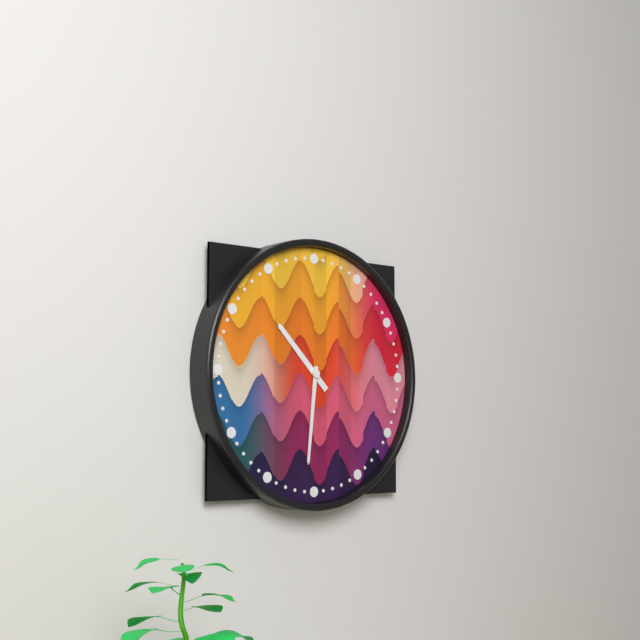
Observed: 10.31
